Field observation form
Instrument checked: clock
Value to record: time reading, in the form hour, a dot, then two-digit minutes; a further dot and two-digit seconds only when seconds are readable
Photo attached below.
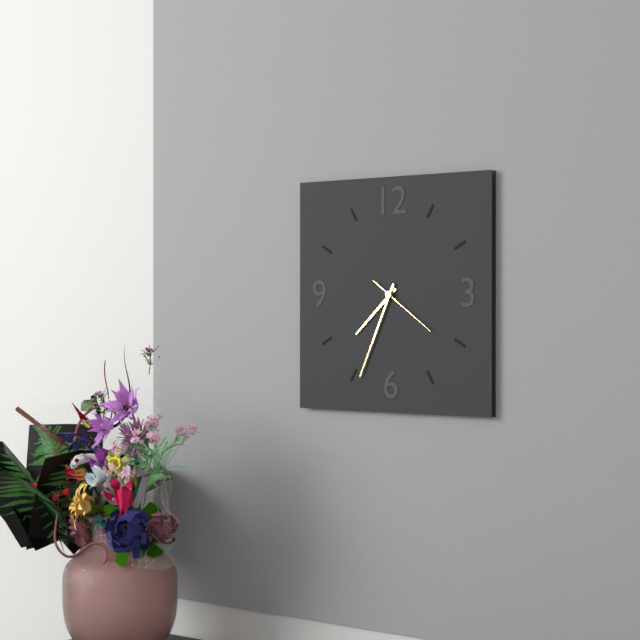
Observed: 7.34.21
